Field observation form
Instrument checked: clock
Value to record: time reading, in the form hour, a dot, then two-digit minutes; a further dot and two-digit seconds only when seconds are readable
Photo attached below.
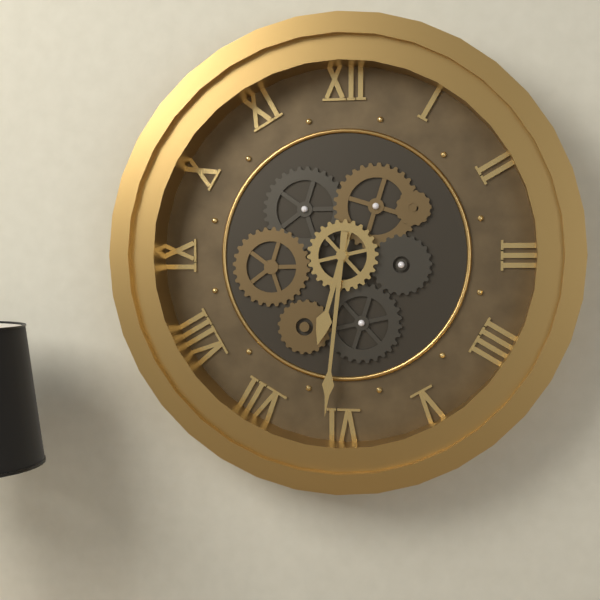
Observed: 6.31
